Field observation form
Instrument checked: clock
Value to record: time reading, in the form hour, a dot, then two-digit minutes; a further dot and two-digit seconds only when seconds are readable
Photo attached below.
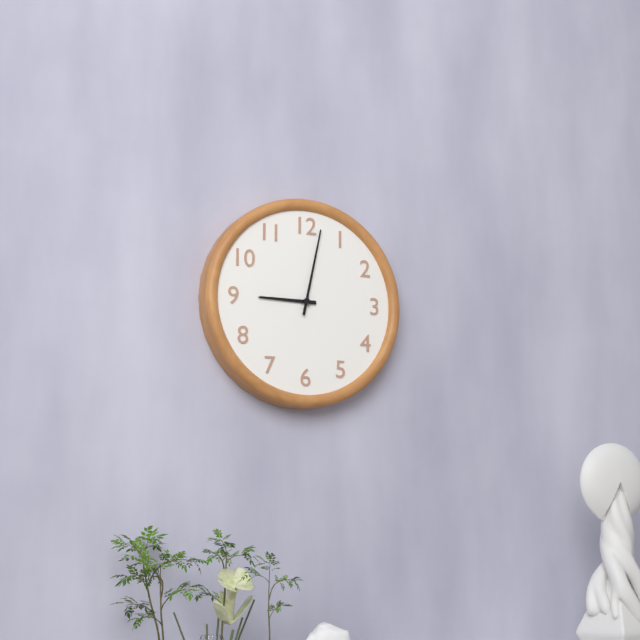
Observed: 9.02
